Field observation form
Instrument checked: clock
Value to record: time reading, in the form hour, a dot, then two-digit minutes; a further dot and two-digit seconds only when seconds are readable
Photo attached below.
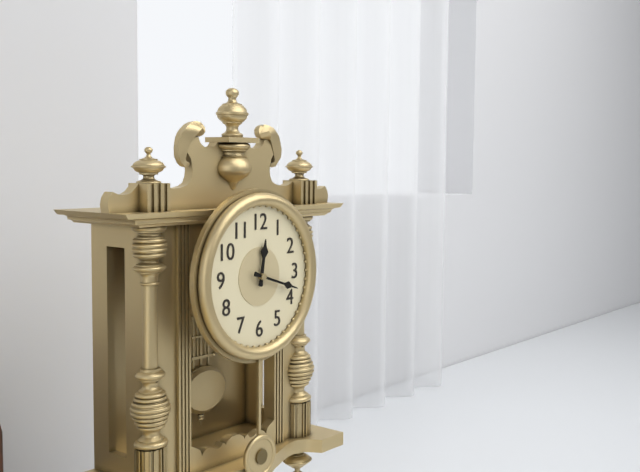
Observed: 12.18
